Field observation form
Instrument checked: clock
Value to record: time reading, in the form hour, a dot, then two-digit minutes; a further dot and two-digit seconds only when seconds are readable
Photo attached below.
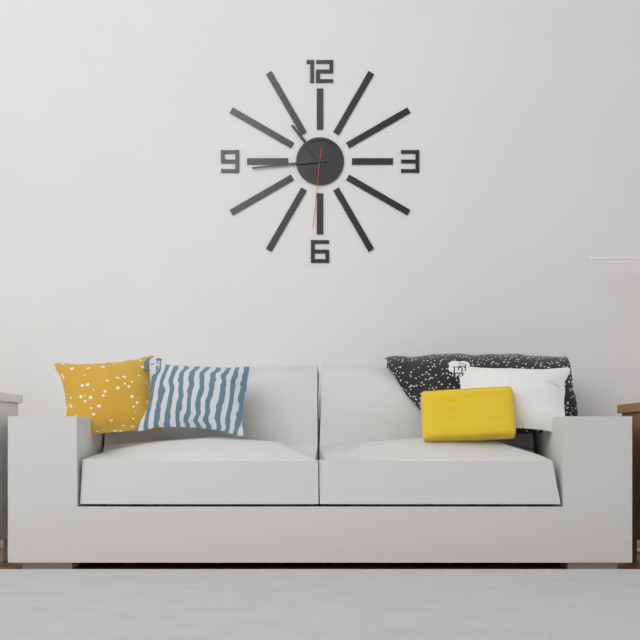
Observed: 10.44.31
